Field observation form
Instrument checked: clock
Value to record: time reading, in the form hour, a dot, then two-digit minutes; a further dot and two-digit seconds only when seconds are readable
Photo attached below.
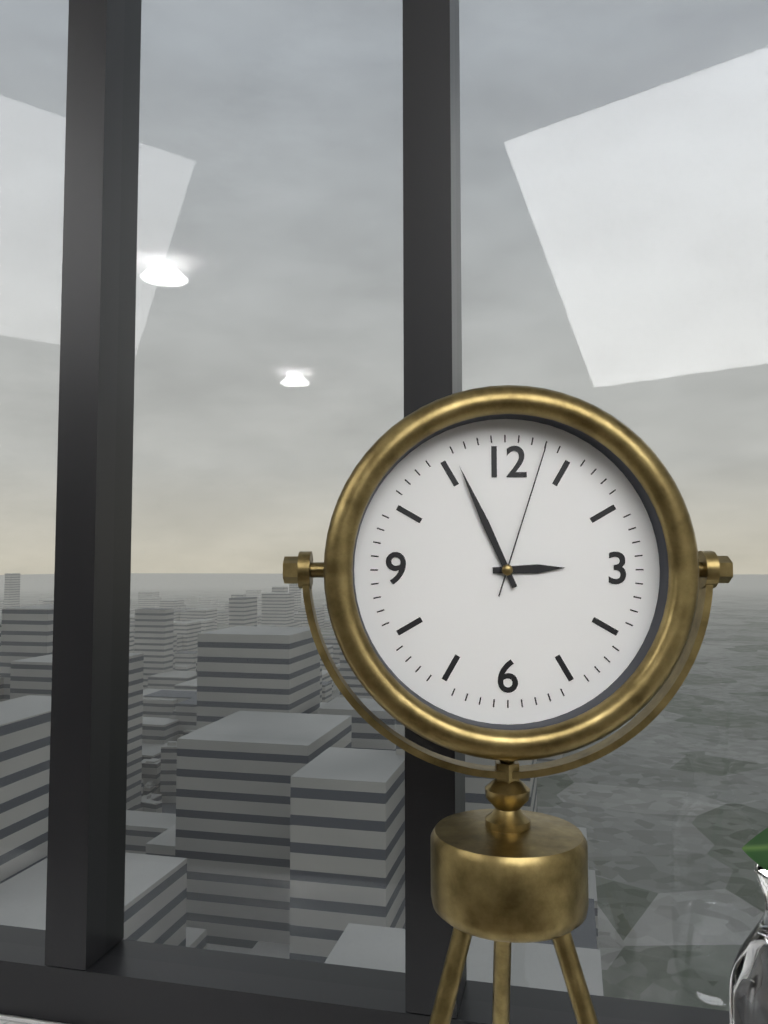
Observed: 2.56.03
